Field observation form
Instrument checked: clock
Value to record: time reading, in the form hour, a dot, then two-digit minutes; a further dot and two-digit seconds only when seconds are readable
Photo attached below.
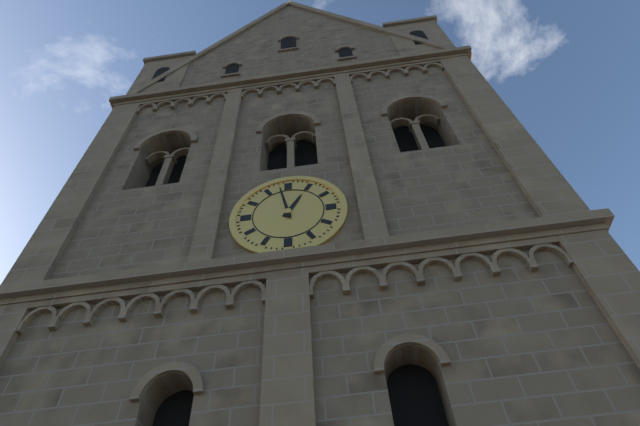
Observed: 12.58
